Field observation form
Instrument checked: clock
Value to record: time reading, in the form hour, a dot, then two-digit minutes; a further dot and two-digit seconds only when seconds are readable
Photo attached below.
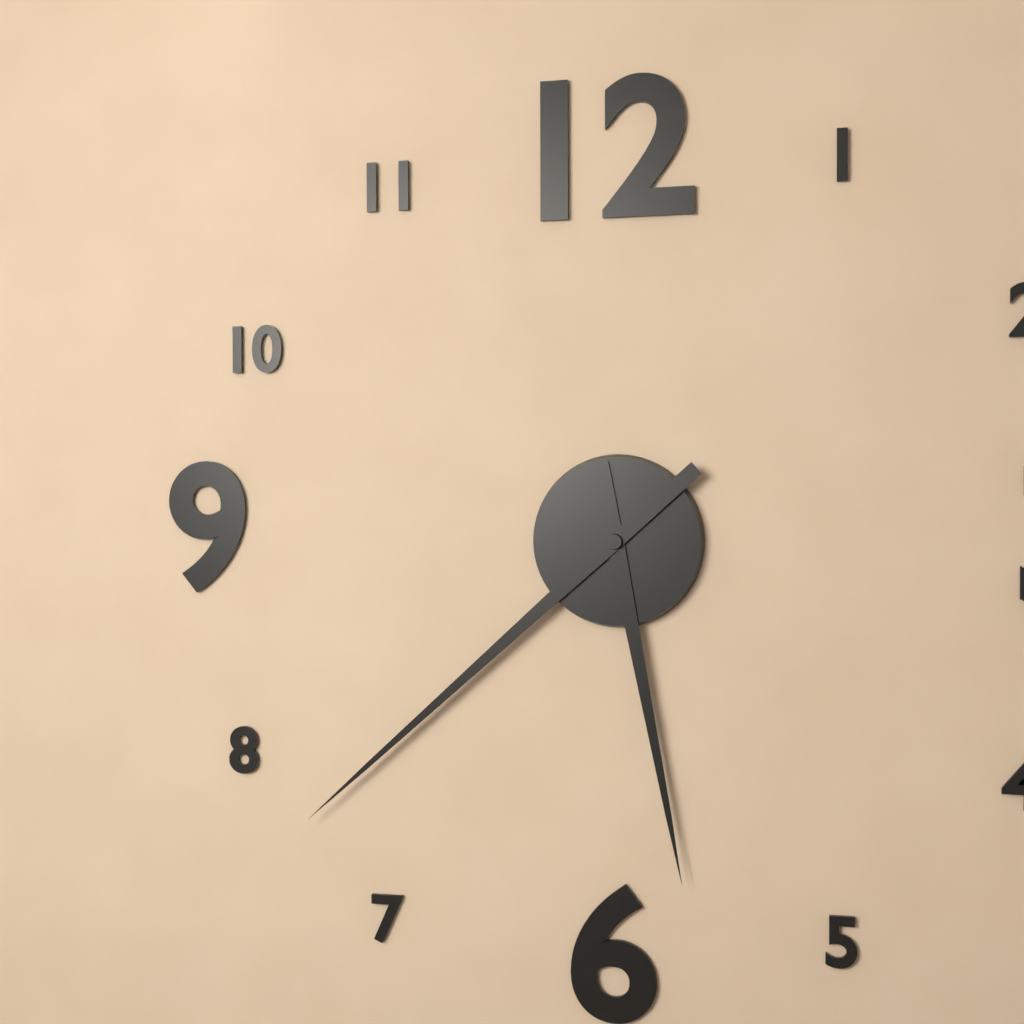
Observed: 5.38
